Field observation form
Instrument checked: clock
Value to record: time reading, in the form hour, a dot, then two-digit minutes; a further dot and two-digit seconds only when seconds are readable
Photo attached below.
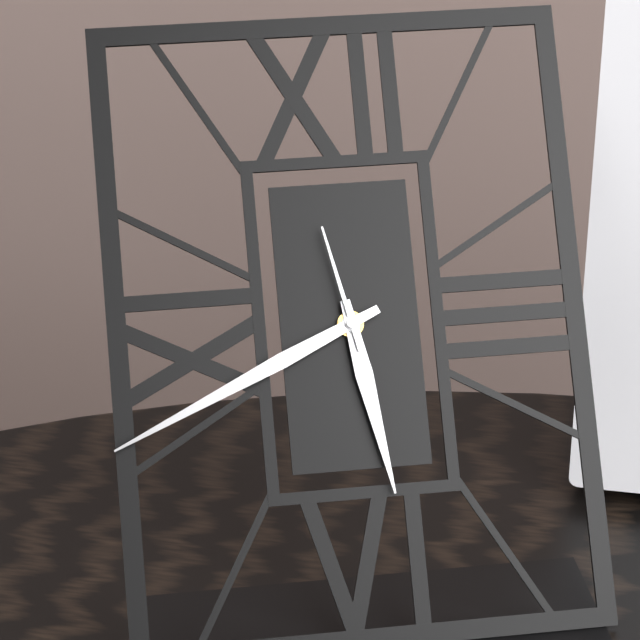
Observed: 5.41.58
